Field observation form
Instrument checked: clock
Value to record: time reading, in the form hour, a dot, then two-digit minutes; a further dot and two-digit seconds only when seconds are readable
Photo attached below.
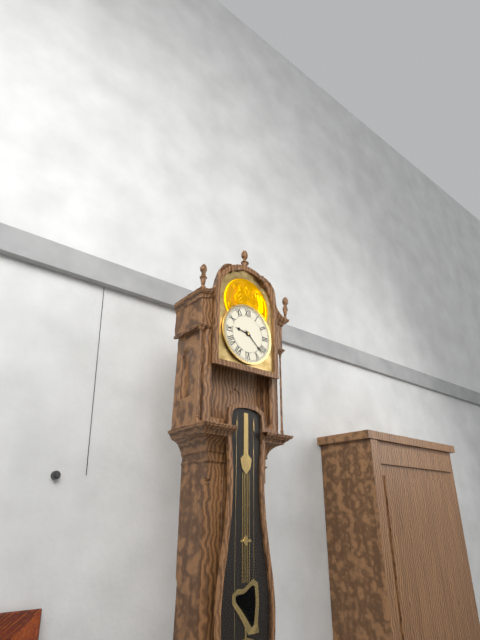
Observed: 9.22
